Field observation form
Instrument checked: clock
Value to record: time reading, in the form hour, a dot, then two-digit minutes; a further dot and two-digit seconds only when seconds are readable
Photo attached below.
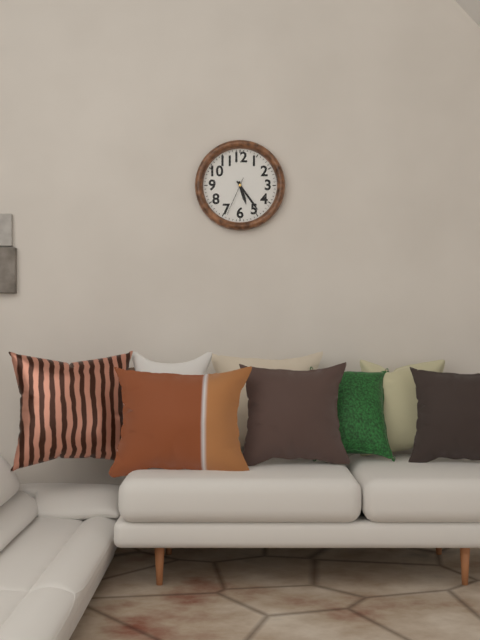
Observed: 5.24
